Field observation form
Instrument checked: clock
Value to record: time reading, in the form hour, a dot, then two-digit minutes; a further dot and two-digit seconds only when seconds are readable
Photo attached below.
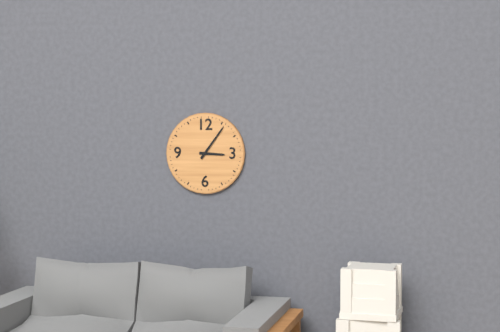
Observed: 3.06
